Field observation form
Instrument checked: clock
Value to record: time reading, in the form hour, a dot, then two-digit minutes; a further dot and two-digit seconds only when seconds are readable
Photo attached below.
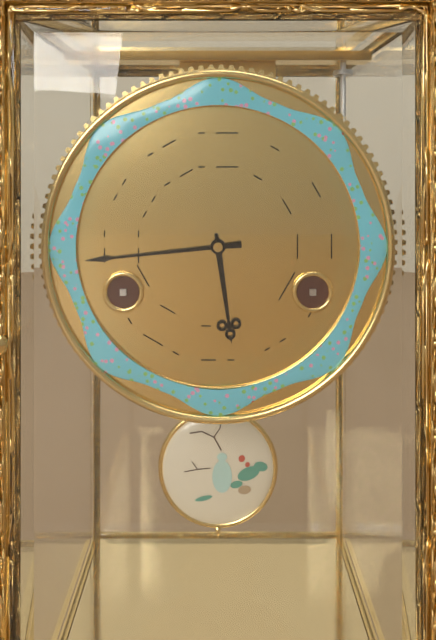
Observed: 5.44
